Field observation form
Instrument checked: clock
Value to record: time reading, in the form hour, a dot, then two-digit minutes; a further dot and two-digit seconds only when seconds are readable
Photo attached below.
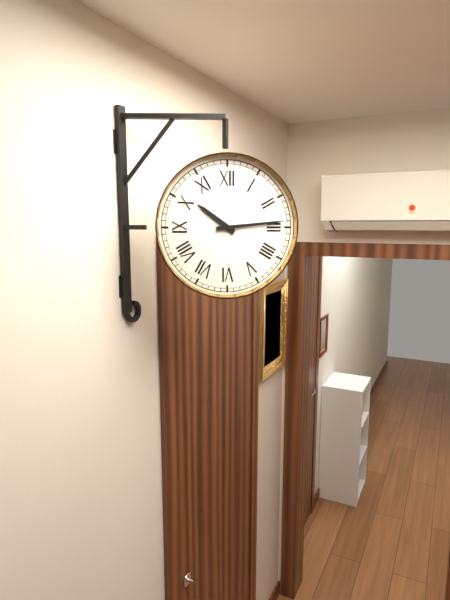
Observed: 10.14
